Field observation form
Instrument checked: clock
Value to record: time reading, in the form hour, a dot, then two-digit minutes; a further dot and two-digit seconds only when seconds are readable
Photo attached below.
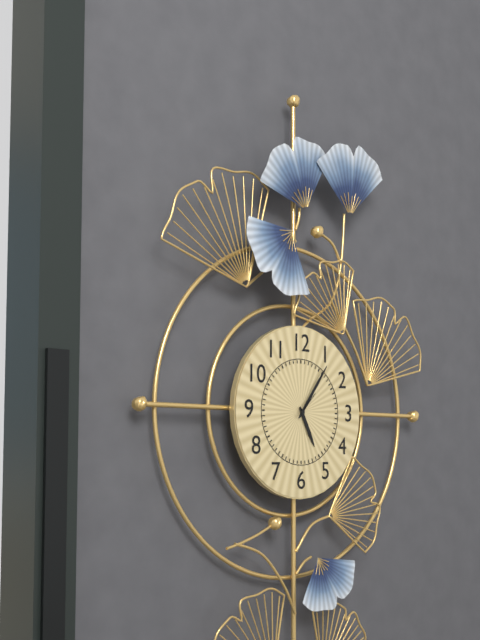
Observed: 5.06
